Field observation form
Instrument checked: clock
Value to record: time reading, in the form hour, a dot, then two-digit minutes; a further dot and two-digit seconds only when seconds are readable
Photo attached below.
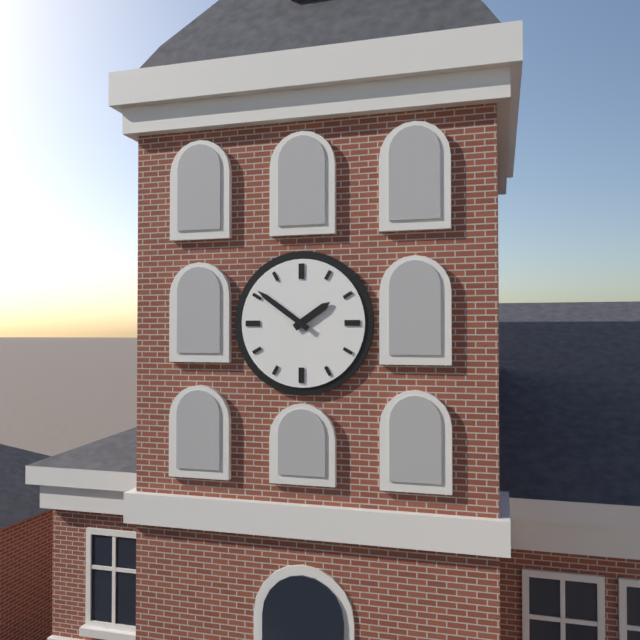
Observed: 1.51
